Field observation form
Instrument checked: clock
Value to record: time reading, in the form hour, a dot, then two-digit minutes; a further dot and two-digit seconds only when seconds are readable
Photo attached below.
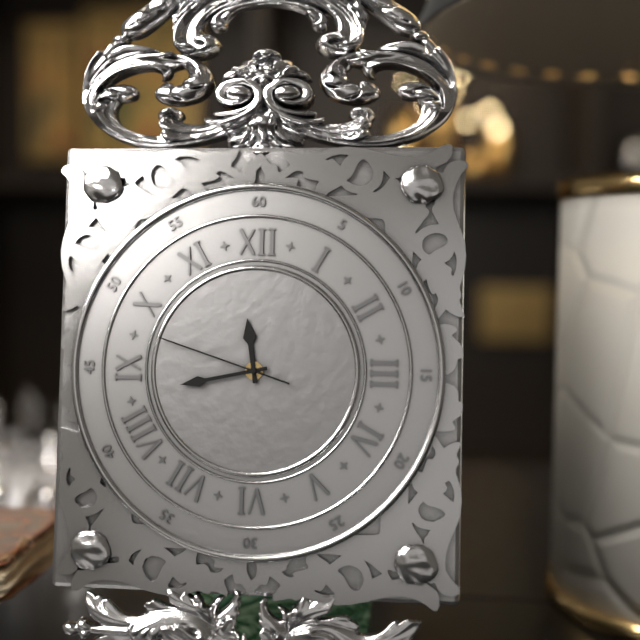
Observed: 11.43.48
